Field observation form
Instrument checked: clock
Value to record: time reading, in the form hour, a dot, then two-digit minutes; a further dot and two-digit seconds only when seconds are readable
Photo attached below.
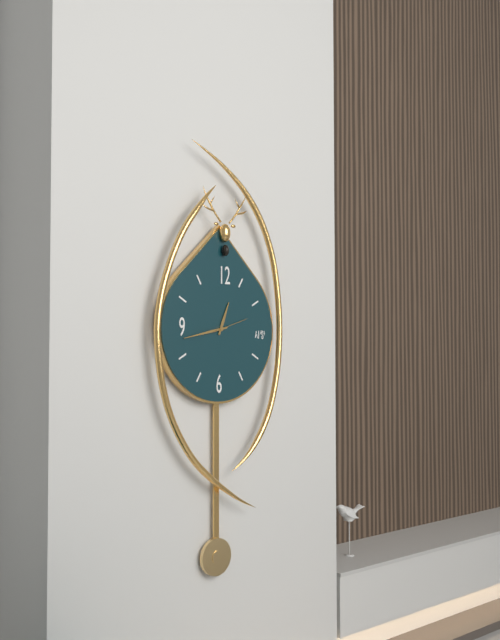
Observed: 12.43
